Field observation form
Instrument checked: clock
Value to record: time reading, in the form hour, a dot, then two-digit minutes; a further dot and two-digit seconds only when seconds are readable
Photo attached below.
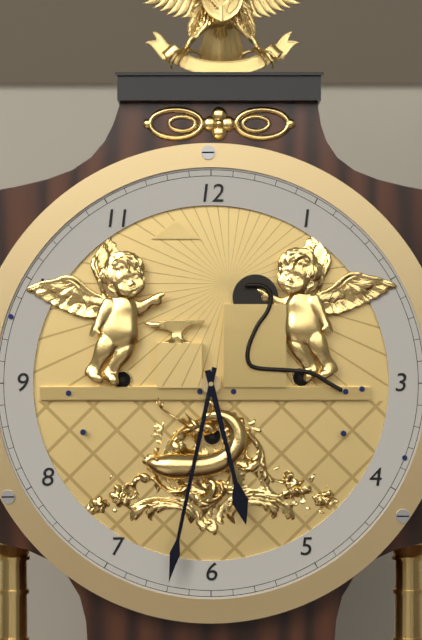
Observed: 5.32
